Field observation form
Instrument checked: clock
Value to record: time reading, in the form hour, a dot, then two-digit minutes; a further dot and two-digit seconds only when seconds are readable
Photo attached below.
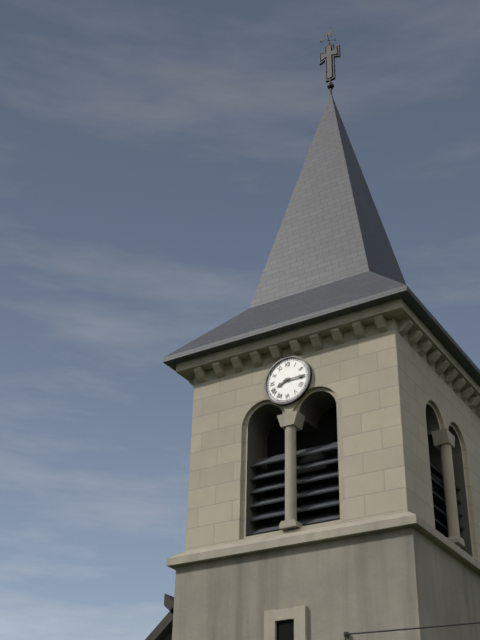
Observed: 8.15
